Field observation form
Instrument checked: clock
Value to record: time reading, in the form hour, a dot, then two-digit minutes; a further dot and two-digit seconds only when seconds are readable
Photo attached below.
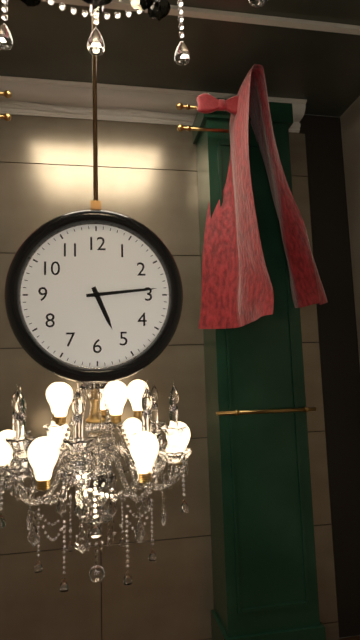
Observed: 5.14
